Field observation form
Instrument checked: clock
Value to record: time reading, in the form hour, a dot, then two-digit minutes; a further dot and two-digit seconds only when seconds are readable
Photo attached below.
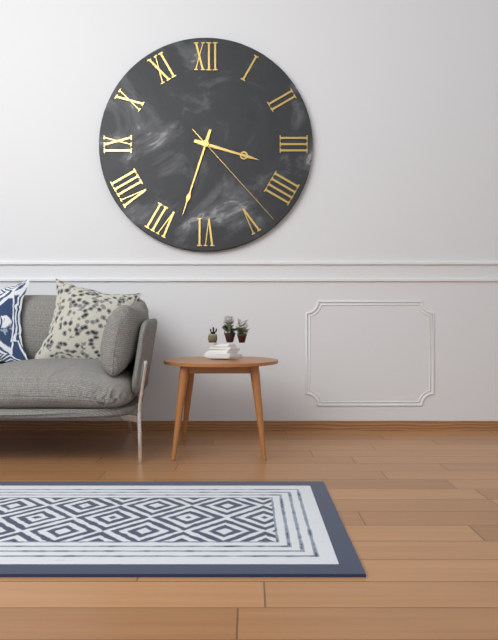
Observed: 3.33.23
